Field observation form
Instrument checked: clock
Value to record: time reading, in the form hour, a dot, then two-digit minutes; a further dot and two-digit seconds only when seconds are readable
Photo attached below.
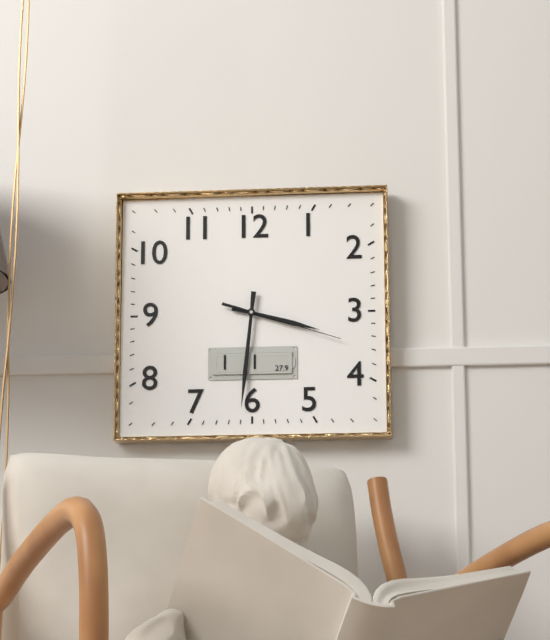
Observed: 3.31.18
